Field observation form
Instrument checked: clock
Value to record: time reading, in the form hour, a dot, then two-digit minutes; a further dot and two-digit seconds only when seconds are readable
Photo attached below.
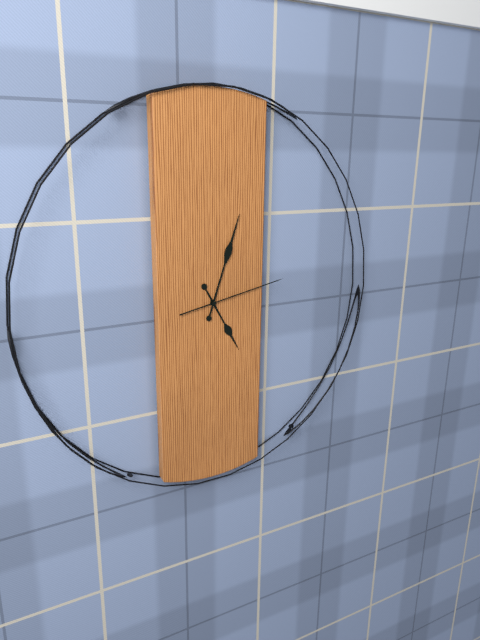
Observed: 5.03.13
